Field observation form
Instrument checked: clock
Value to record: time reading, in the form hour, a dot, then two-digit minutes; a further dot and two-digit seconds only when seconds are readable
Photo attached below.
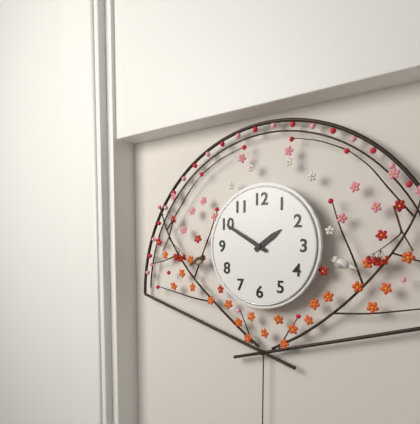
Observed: 1.50
